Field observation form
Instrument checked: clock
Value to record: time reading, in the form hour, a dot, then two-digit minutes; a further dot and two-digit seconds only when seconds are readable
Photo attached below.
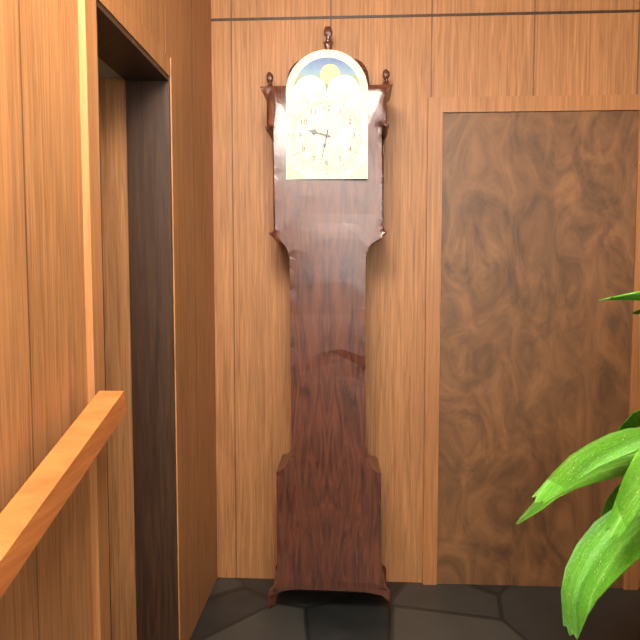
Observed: 9.32
